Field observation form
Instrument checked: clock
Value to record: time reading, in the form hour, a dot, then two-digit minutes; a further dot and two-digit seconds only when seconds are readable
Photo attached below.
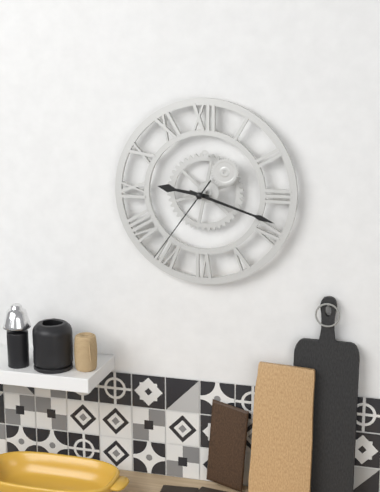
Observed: 9.18.36
